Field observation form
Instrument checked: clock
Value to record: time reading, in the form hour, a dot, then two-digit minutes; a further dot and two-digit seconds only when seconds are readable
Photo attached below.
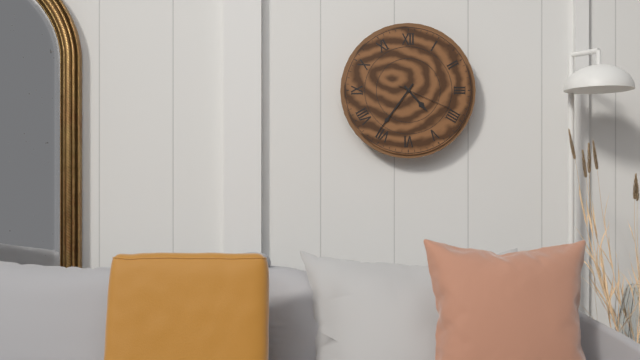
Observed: 4.36.19
